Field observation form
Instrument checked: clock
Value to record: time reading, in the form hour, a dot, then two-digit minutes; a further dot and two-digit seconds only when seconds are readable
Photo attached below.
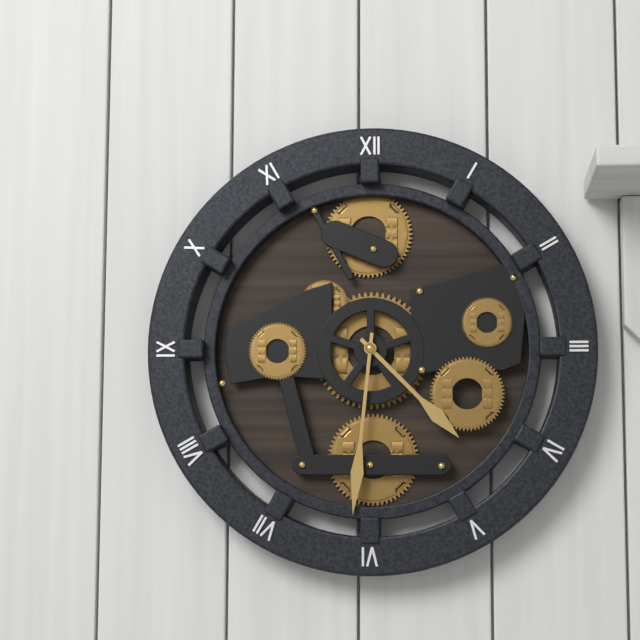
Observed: 4.31
